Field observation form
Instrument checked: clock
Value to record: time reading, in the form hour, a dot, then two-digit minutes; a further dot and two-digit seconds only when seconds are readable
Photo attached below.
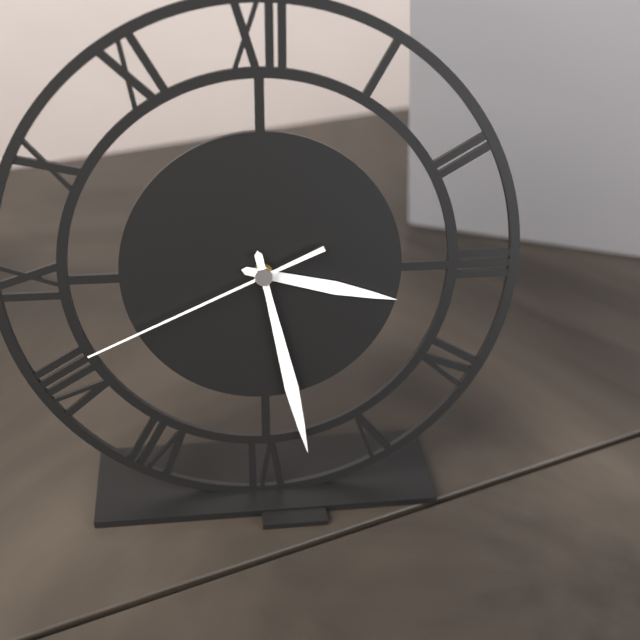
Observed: 3.28.41
